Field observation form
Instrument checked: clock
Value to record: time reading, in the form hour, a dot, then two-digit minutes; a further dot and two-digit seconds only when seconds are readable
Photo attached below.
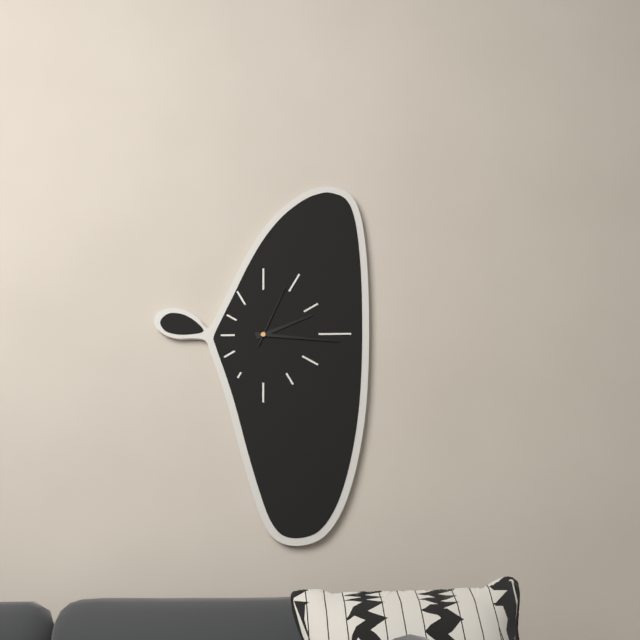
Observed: 2.16.04
